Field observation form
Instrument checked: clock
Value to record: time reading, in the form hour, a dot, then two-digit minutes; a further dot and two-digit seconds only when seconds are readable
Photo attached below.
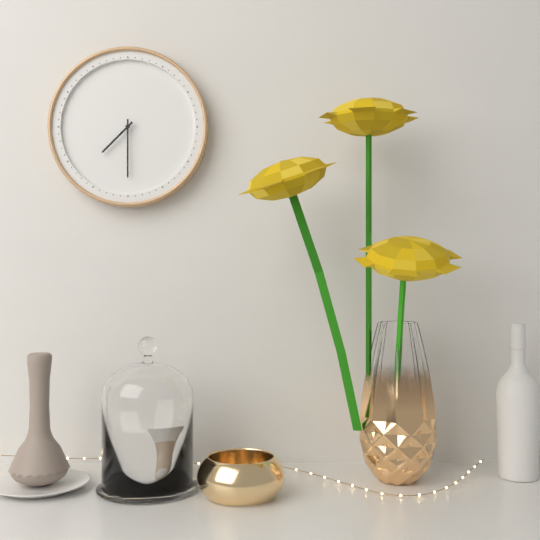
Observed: 7.30
